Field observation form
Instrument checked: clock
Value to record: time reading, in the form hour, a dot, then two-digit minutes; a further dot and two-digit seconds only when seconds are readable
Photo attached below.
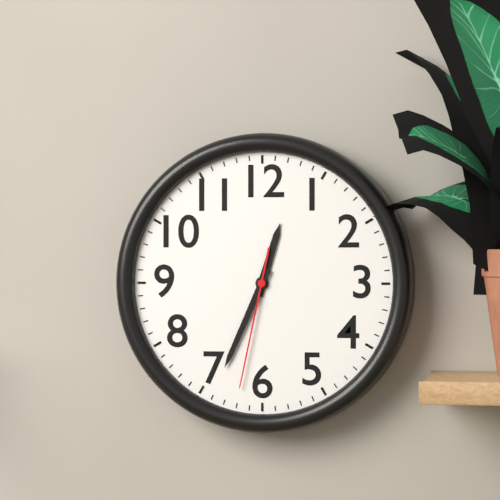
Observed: 12.34.32
